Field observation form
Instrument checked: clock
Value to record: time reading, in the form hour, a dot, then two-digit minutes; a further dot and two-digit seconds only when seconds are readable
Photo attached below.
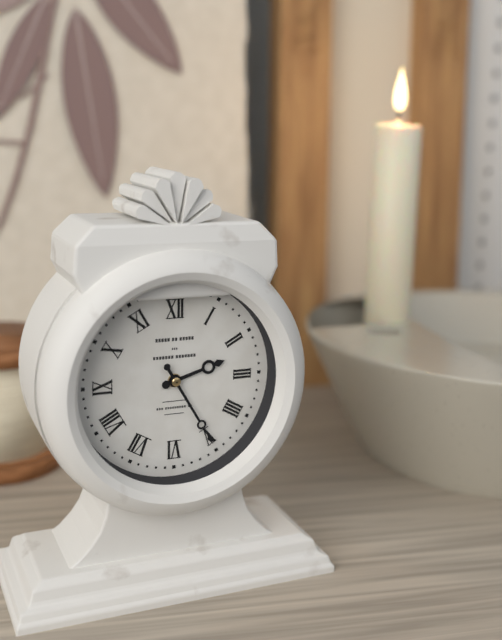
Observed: 2.25
